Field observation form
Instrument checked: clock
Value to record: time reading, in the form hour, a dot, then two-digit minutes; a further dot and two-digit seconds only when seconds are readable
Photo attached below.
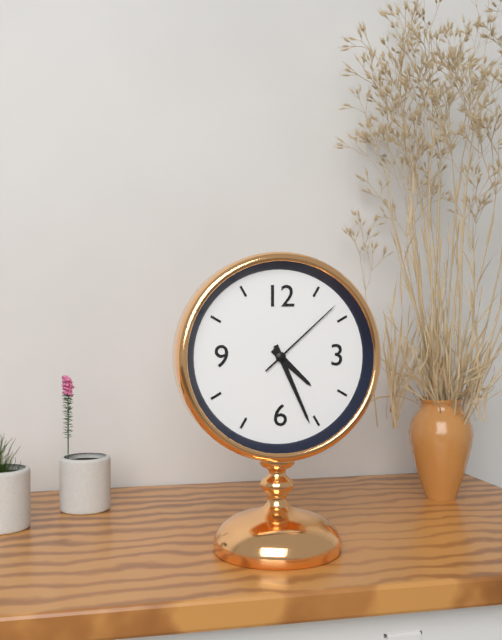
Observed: 4.26.08
